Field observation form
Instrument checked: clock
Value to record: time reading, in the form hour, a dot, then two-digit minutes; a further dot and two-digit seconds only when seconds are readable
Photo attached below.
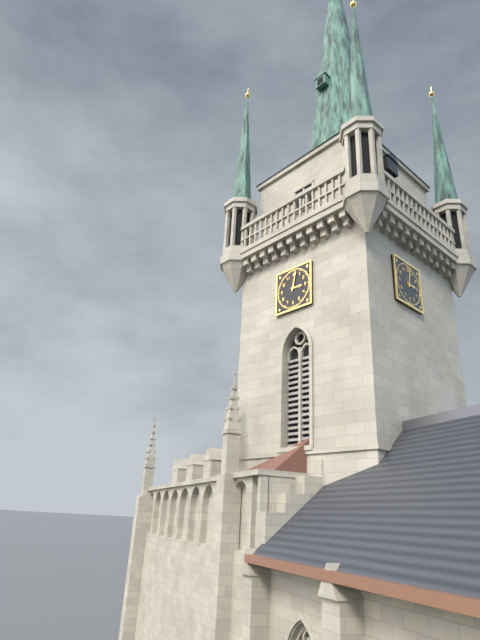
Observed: 3.02
